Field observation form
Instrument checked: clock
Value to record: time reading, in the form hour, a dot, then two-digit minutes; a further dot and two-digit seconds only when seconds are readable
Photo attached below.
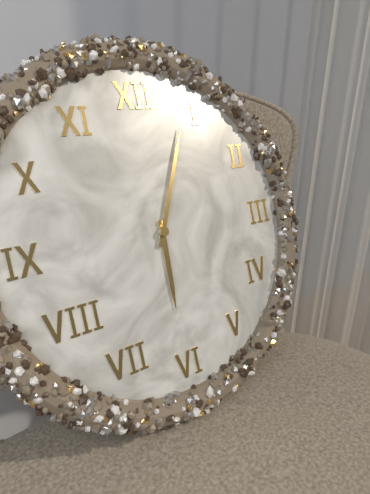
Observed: 6.04
